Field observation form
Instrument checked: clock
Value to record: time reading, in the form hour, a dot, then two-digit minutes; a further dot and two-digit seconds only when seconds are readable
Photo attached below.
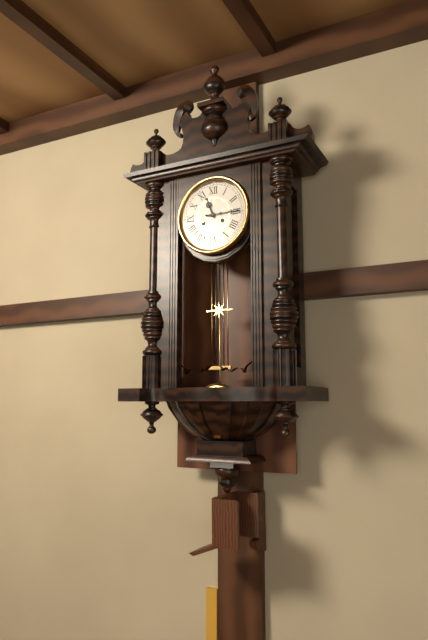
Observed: 11.15
